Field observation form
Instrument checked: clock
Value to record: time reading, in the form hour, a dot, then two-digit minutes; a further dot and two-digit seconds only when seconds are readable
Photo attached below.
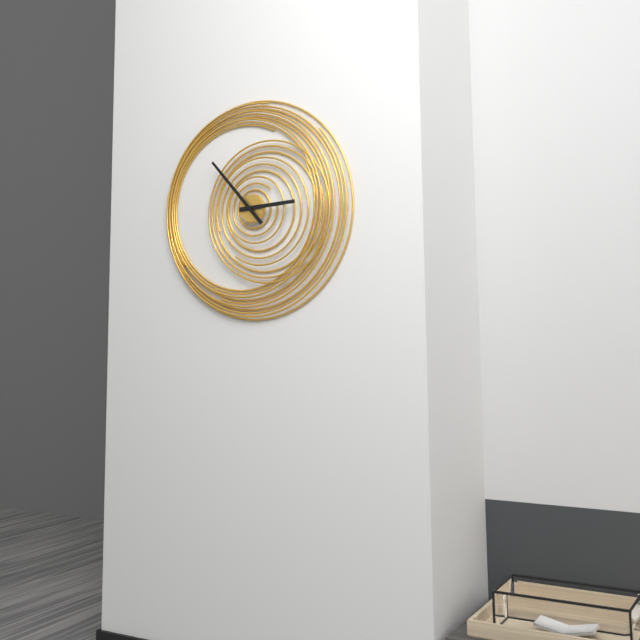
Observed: 2.53
